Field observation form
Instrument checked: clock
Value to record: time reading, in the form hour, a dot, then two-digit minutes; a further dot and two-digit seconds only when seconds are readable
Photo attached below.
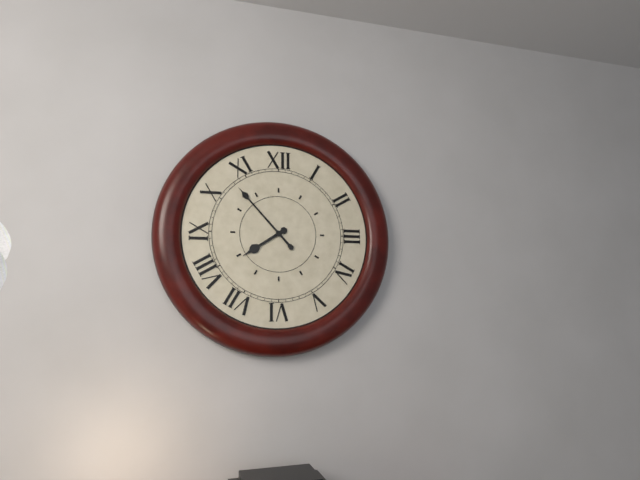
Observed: 7.53
